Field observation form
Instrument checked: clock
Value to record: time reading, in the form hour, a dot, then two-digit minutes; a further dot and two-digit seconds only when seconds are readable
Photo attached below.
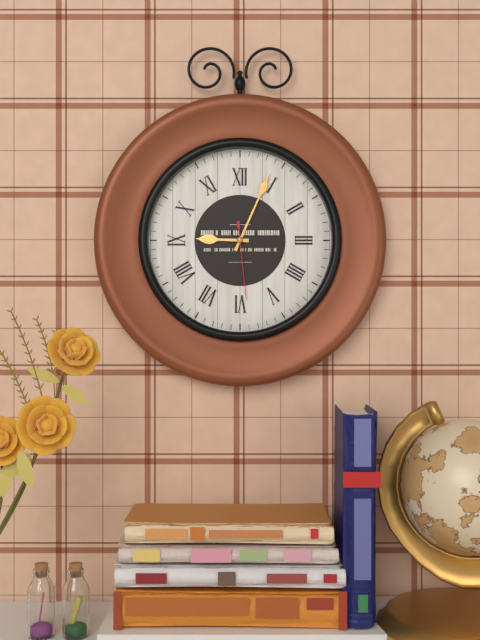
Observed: 9.04.29
